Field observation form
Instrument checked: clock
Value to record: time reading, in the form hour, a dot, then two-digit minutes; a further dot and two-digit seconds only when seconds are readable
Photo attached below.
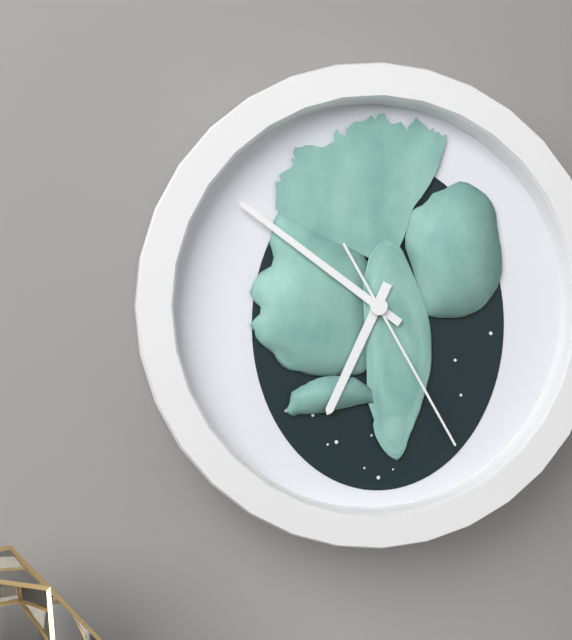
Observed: 6.51.25
